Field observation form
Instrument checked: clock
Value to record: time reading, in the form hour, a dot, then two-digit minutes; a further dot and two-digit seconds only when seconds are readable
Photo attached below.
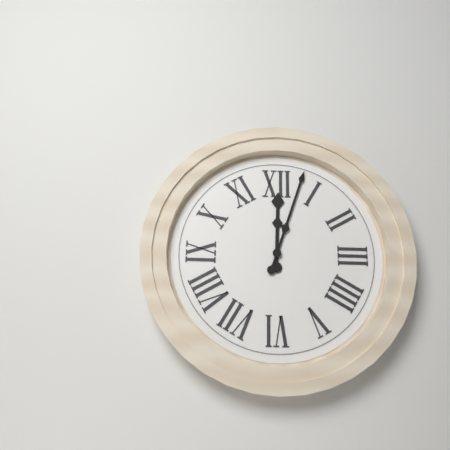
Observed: 12.03
